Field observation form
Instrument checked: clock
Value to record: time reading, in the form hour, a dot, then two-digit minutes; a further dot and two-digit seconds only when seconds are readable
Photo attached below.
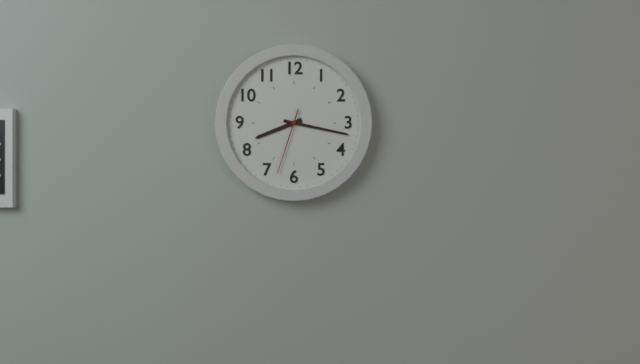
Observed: 8.17.33
